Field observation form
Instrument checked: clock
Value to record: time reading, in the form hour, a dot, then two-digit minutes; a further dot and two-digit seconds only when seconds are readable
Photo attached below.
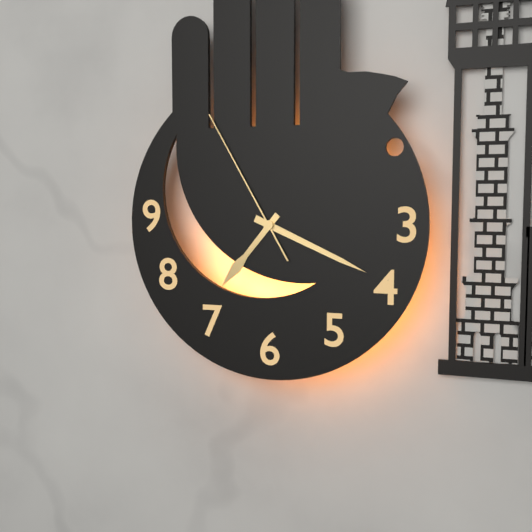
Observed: 7.19.55
